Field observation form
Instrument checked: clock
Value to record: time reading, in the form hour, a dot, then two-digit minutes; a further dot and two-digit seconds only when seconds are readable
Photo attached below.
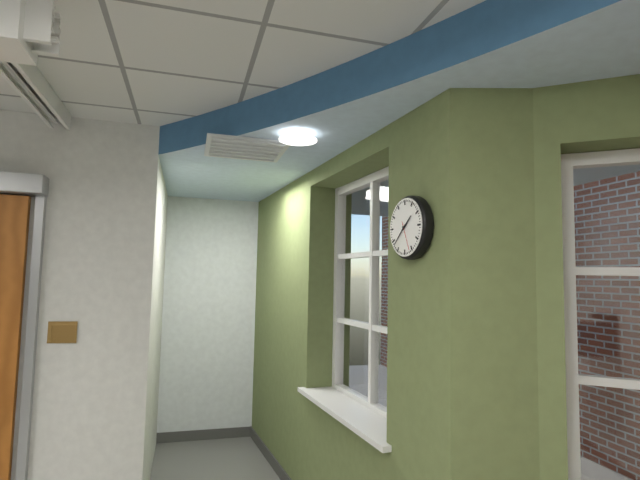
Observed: 1.38
